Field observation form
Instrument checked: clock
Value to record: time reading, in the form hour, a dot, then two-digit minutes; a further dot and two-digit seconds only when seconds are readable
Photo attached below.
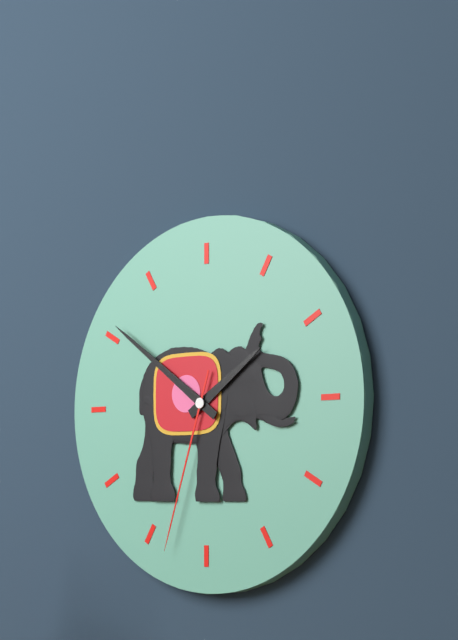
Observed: 1.51.33
